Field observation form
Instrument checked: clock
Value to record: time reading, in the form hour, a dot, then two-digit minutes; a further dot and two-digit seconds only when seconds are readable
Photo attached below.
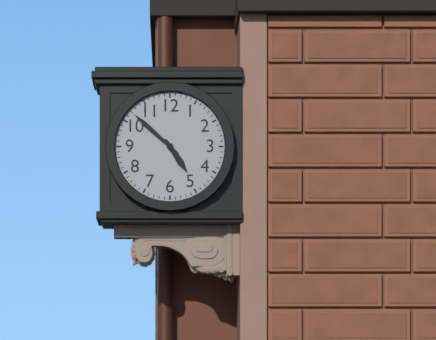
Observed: 4.52
